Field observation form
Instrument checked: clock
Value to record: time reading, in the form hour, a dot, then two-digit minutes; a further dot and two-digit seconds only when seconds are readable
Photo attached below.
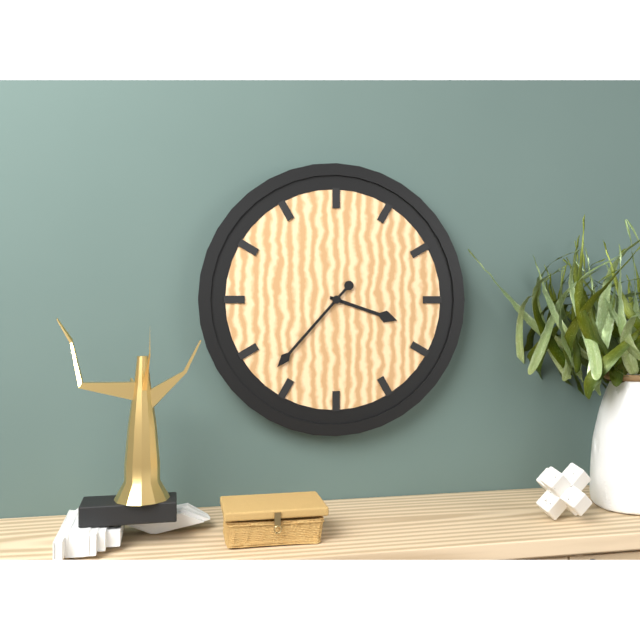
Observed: 3.37
